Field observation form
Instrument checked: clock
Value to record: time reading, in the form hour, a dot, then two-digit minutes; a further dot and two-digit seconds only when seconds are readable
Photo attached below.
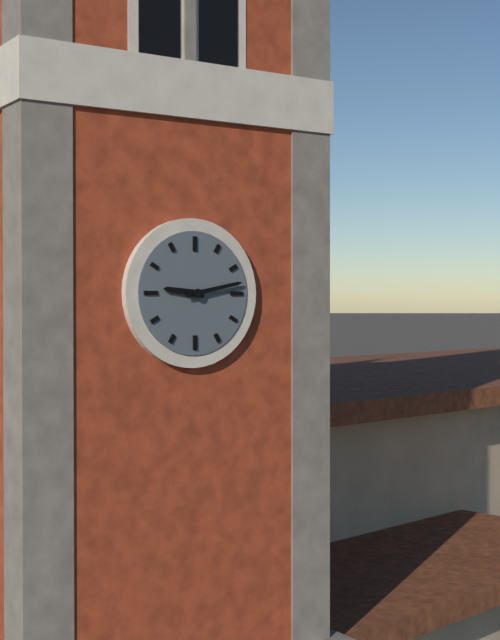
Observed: 9.13
